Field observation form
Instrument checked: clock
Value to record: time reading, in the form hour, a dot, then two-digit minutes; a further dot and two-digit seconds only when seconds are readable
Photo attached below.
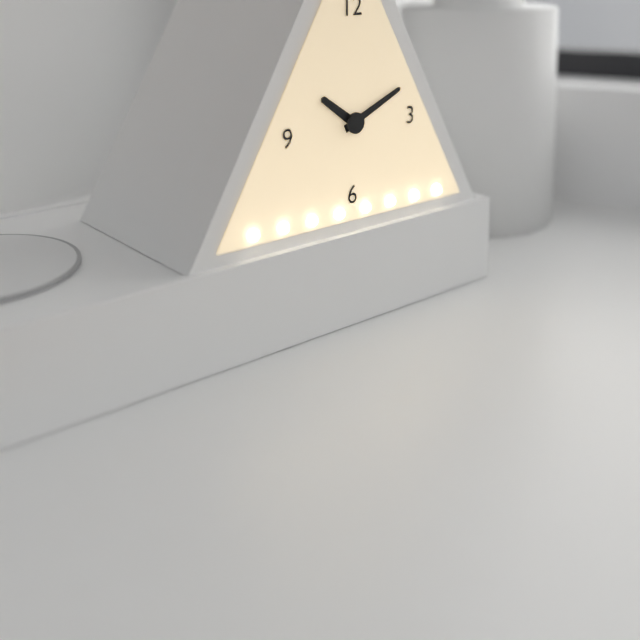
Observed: 10.11
